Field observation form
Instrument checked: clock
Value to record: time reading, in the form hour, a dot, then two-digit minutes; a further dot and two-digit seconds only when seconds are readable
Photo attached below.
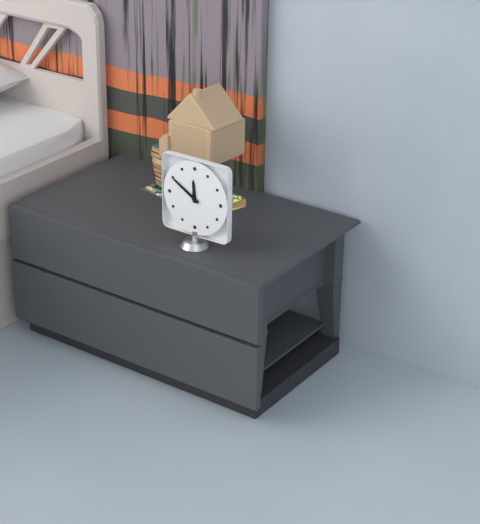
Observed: 11.50
